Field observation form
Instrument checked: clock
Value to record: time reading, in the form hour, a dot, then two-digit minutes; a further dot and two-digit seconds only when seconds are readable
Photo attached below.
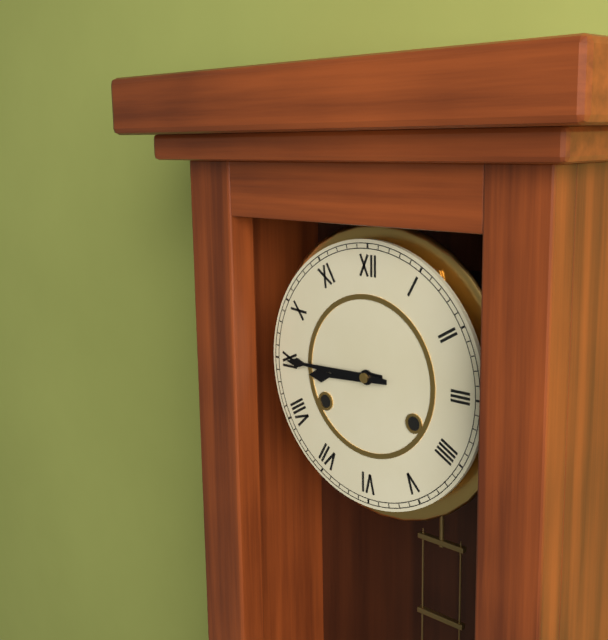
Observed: 8.45
